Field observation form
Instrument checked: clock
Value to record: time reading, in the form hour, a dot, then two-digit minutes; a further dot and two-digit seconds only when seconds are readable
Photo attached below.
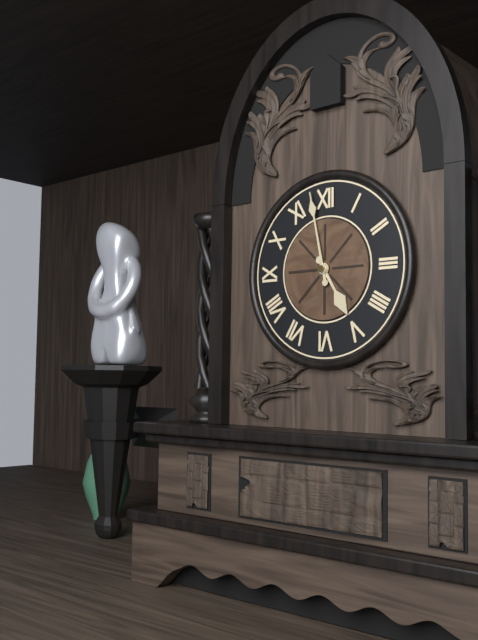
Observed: 4.58
